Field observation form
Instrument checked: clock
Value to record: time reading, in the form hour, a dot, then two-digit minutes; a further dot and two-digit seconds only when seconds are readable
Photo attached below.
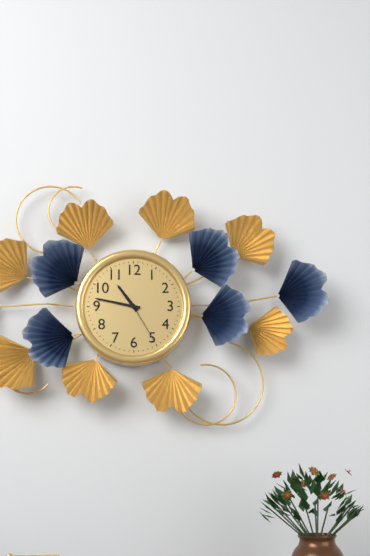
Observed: 10.47.25
